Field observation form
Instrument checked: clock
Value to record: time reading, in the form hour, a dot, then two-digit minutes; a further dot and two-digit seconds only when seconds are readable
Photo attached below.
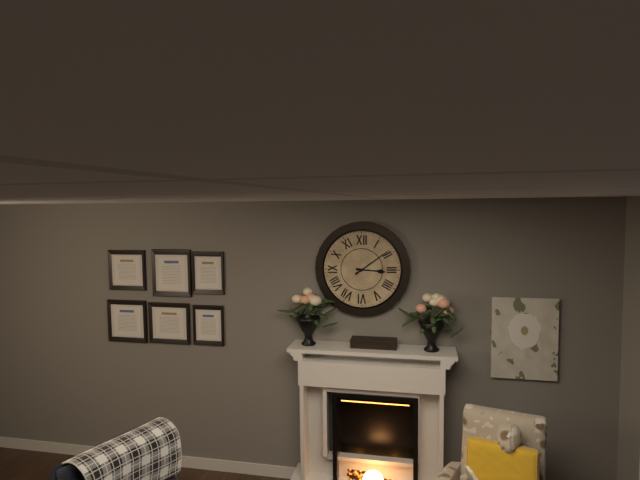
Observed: 3.09
